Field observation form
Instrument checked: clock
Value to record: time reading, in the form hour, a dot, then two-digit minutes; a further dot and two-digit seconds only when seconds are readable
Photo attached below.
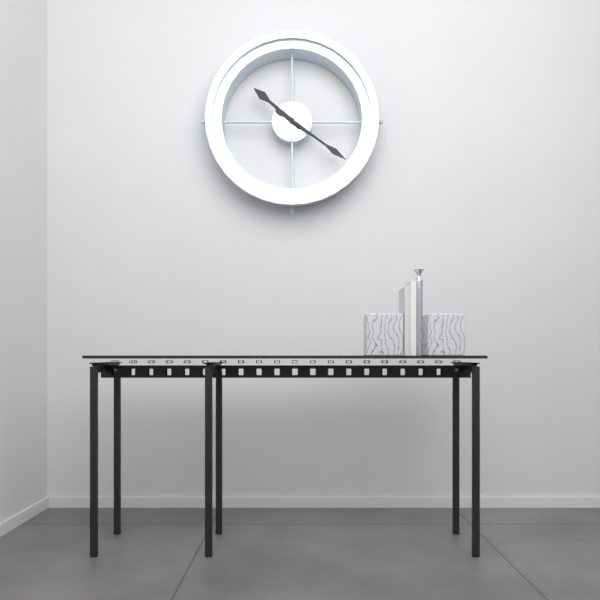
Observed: 10.21
